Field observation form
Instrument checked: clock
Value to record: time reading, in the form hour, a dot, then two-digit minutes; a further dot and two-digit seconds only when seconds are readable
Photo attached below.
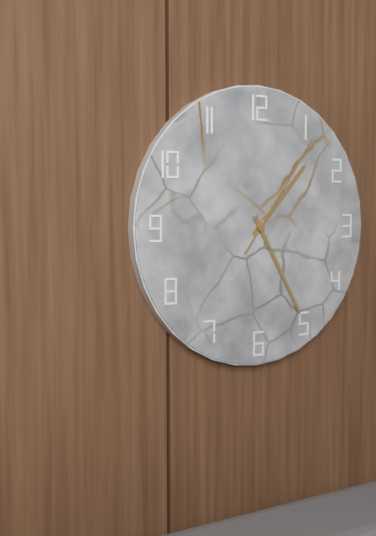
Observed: 1.25.06
